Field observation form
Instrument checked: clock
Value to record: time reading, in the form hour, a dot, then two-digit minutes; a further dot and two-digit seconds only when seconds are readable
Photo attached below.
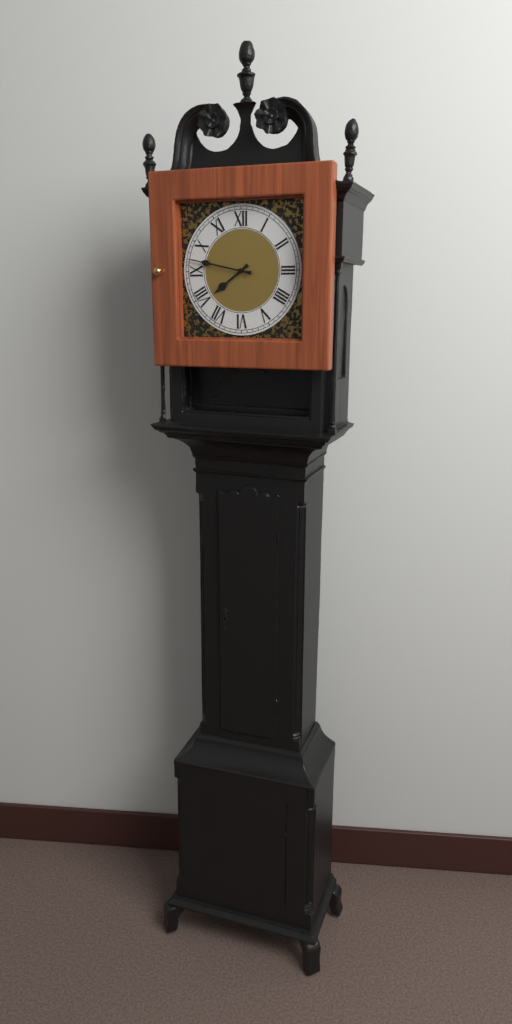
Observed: 7.47
